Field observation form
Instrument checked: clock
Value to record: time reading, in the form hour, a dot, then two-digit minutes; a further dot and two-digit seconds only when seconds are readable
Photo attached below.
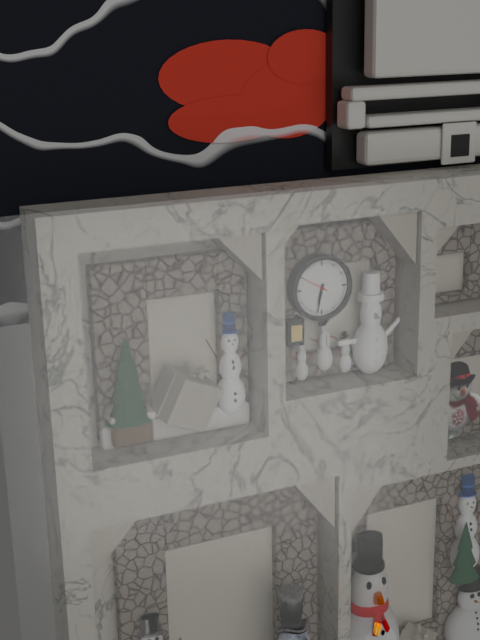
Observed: 6.32
